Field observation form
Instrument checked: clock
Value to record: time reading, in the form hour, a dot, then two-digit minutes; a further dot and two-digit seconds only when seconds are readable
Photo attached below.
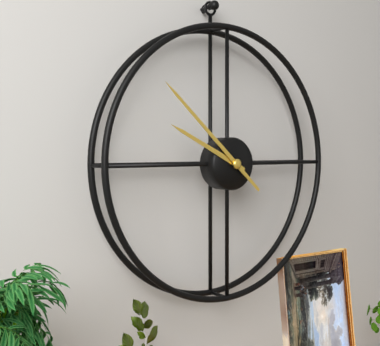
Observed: 9.52
